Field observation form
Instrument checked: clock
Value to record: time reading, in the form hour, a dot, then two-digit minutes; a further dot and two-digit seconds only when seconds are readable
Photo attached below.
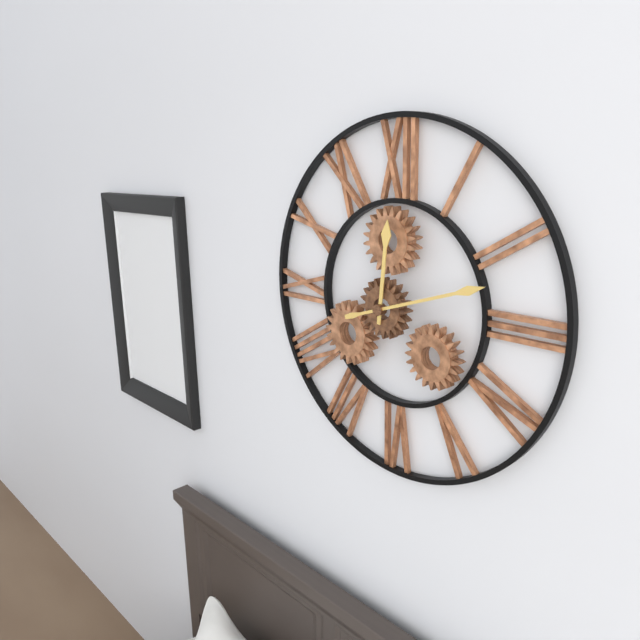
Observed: 12.12
